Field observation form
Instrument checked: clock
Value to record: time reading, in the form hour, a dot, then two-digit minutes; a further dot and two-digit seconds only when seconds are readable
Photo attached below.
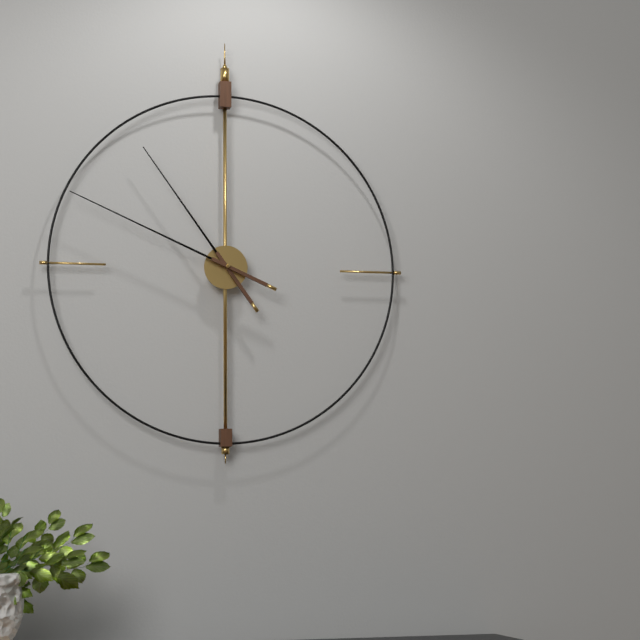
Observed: 10.49
